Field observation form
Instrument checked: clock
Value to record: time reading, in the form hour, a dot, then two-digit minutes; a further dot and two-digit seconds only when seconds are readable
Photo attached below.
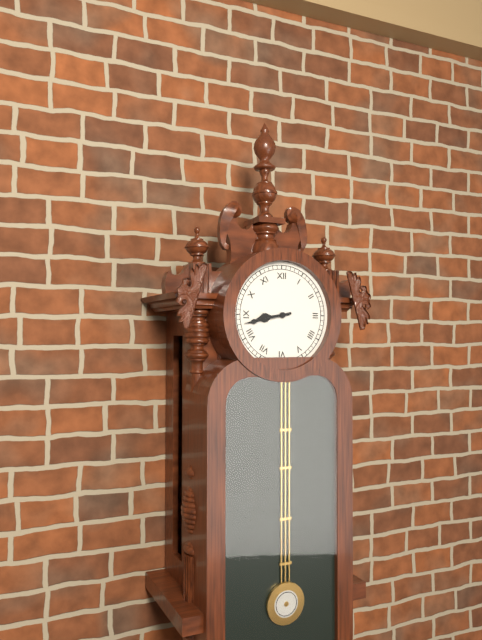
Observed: 8.43
